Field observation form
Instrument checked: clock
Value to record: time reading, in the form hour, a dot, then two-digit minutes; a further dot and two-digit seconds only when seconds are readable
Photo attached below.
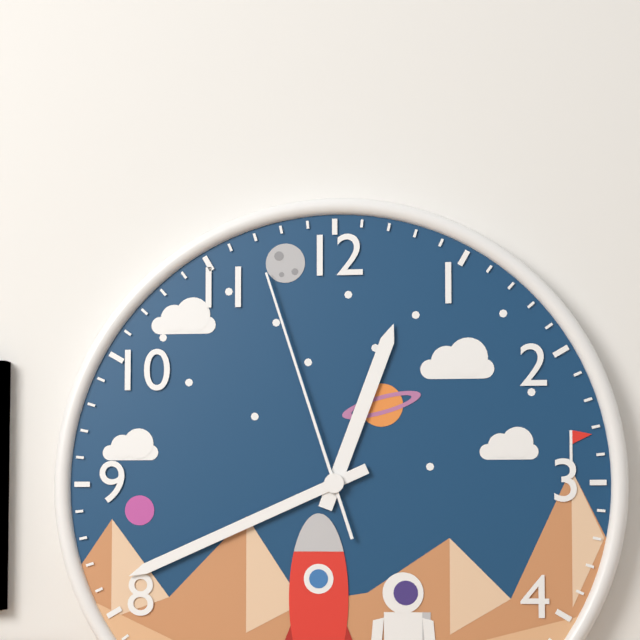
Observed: 12.41.57
